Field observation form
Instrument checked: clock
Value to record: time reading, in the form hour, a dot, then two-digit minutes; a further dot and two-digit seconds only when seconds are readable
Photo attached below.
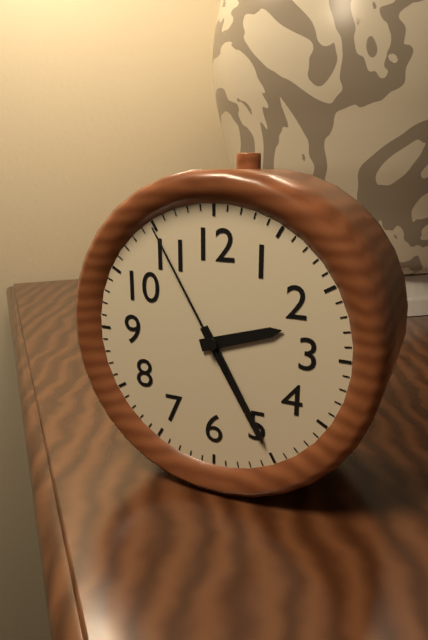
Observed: 2.25.55
